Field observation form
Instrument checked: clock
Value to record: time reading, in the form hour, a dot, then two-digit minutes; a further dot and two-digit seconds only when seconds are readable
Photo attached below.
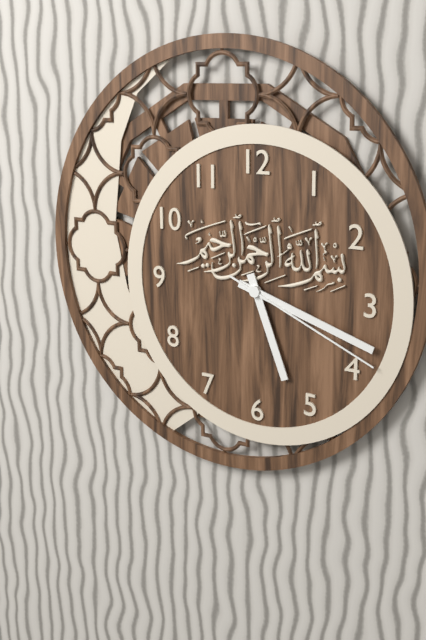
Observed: 5.18.19
